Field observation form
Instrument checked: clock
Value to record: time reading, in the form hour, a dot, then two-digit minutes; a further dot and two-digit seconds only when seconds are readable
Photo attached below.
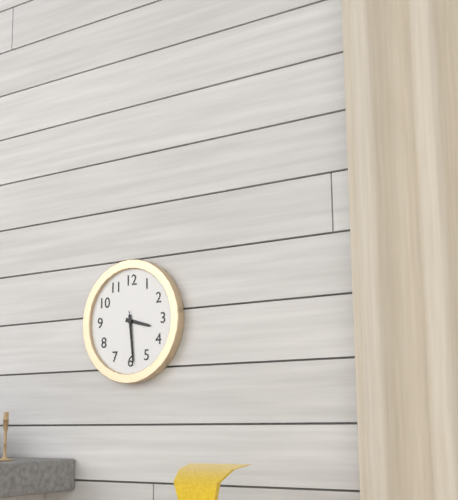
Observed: 3.29.29
